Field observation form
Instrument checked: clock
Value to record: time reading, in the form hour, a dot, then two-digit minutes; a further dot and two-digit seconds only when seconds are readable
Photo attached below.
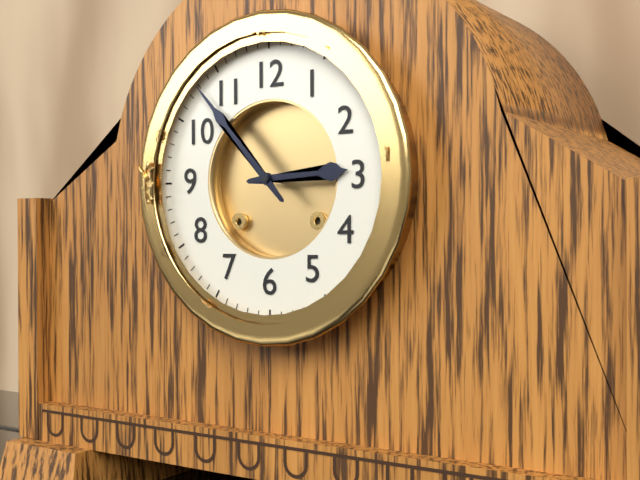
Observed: 2.53
